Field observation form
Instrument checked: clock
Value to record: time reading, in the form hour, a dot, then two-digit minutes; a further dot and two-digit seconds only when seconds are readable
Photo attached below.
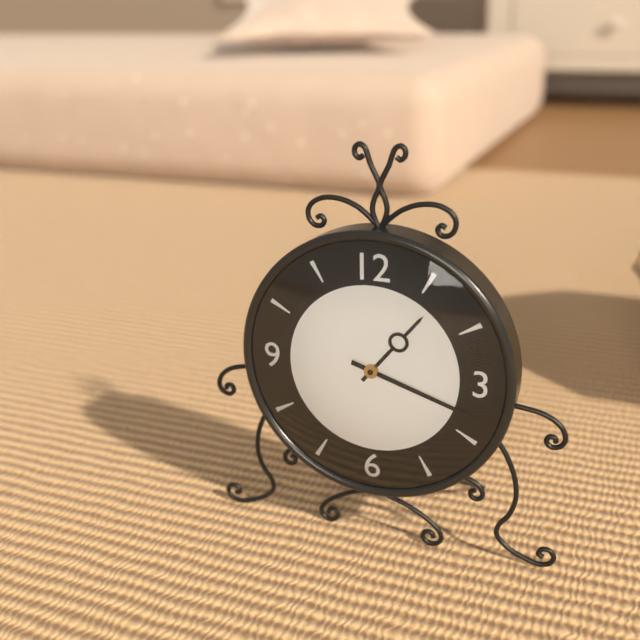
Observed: 1.18
